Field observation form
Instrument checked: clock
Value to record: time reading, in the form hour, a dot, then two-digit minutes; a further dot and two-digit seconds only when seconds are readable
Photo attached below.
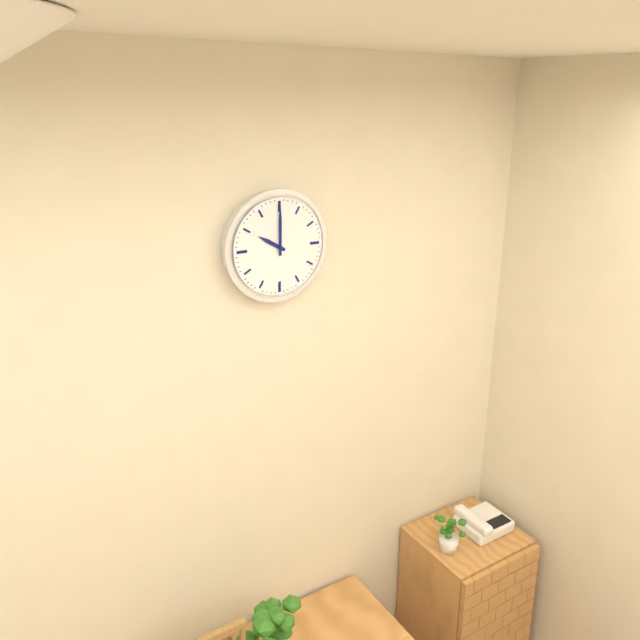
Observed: 10.00
